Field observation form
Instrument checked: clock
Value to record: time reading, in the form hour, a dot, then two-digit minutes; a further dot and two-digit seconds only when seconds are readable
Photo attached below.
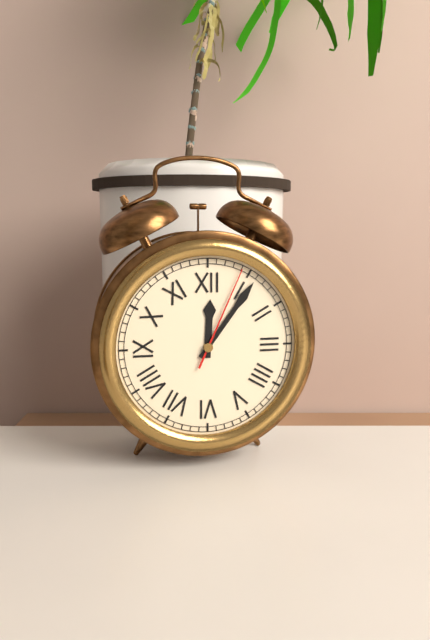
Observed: 12.06.04
